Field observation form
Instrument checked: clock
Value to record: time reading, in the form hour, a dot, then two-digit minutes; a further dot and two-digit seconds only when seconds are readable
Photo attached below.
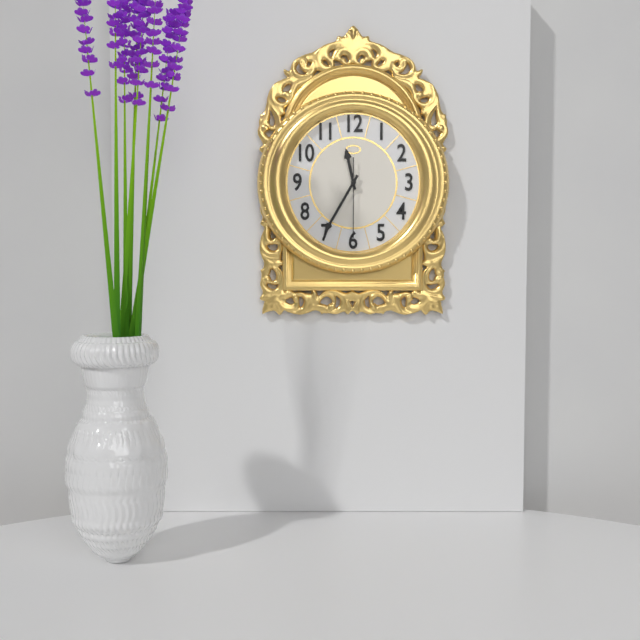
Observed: 11.35.30
